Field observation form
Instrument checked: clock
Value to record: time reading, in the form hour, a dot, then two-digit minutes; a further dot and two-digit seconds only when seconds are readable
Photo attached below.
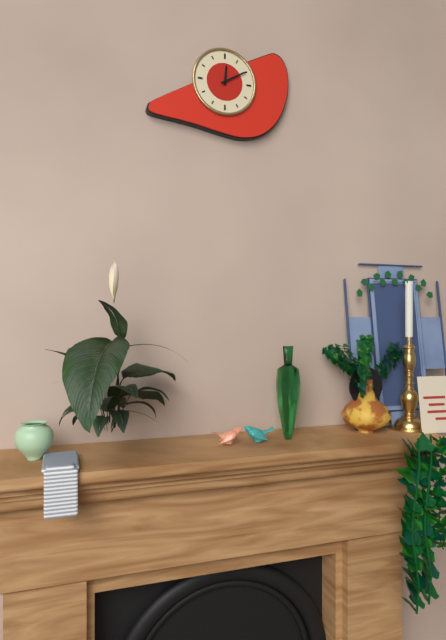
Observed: 12.10
